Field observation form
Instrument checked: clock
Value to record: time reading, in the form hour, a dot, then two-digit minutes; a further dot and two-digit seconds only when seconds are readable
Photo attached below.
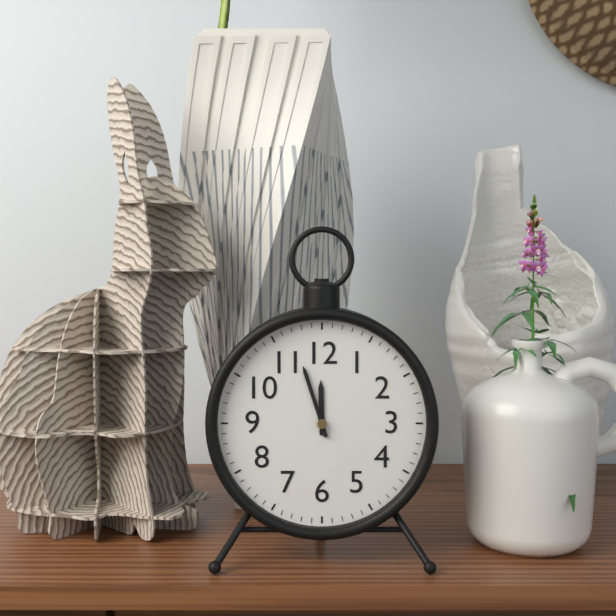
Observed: 11.57
